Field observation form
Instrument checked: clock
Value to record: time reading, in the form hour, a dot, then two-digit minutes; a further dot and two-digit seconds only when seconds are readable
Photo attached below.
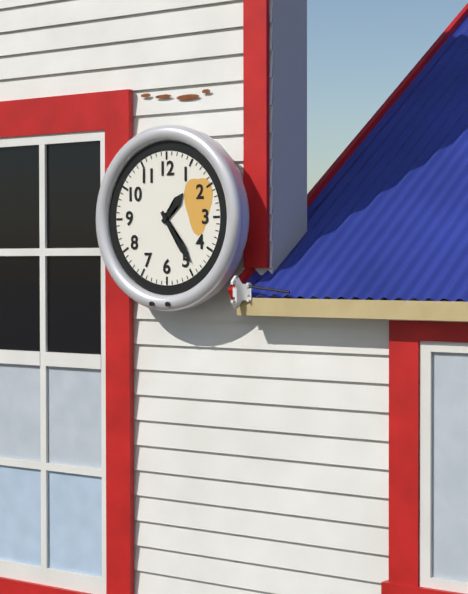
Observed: 1.24
